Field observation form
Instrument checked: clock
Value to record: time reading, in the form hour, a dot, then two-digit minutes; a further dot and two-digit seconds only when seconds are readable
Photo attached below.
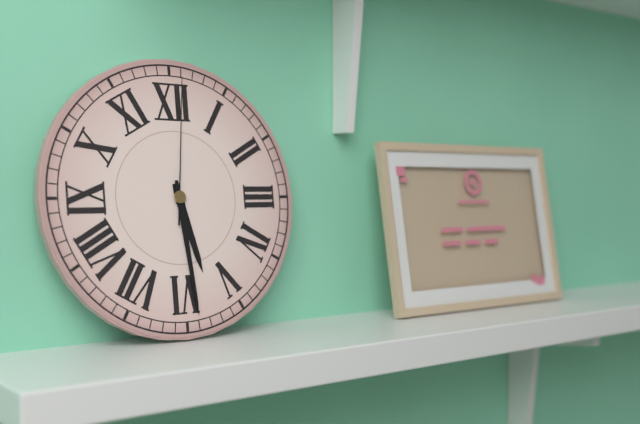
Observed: 5.29.01
